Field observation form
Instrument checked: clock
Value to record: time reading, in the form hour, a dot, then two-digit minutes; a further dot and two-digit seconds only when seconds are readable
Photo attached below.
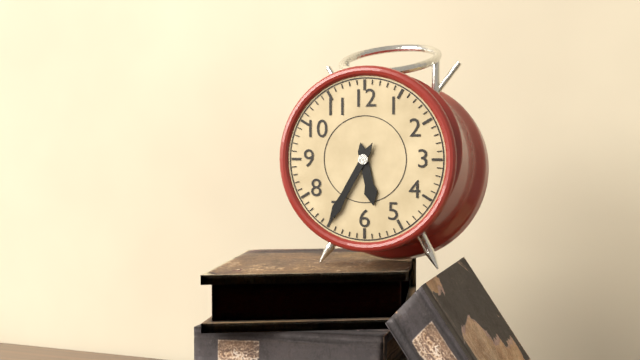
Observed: 5.35
